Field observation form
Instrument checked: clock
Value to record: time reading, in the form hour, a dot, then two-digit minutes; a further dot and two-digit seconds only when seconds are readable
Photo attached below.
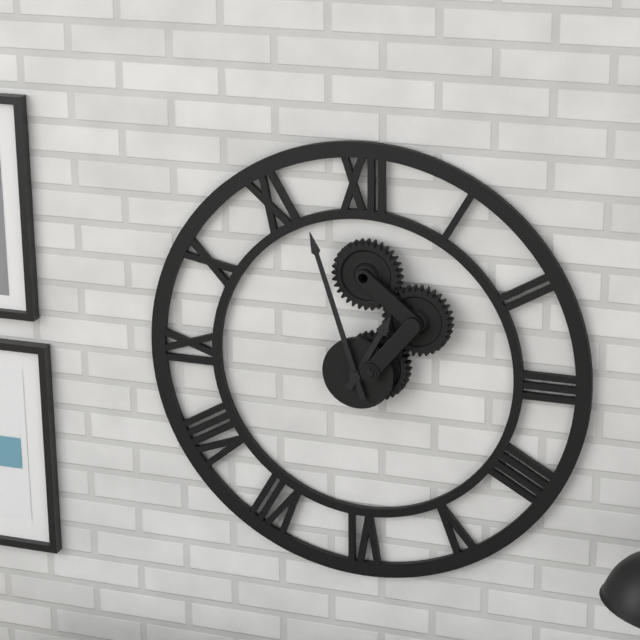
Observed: 12.57
